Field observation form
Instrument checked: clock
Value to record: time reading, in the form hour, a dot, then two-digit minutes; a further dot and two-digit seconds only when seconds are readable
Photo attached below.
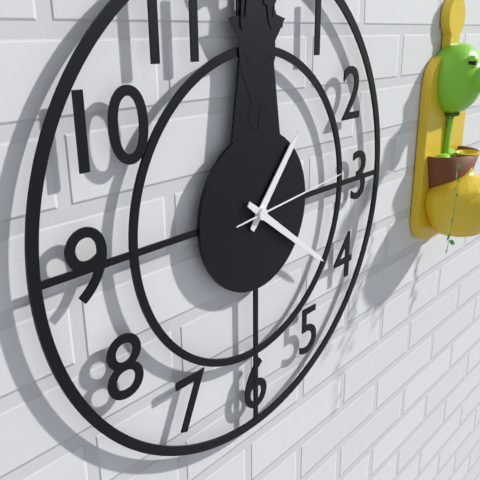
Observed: 1.21.14
